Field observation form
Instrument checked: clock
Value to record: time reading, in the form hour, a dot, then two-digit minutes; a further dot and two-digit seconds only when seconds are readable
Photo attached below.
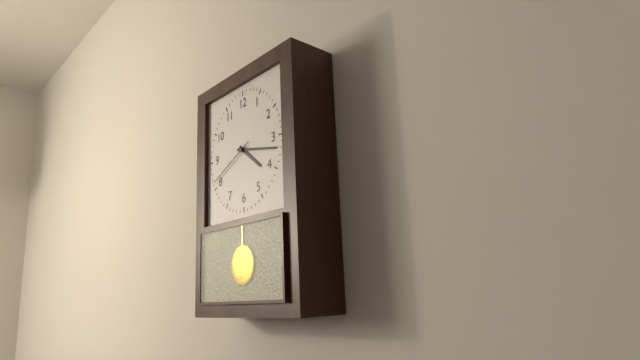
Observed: 4.17.41
